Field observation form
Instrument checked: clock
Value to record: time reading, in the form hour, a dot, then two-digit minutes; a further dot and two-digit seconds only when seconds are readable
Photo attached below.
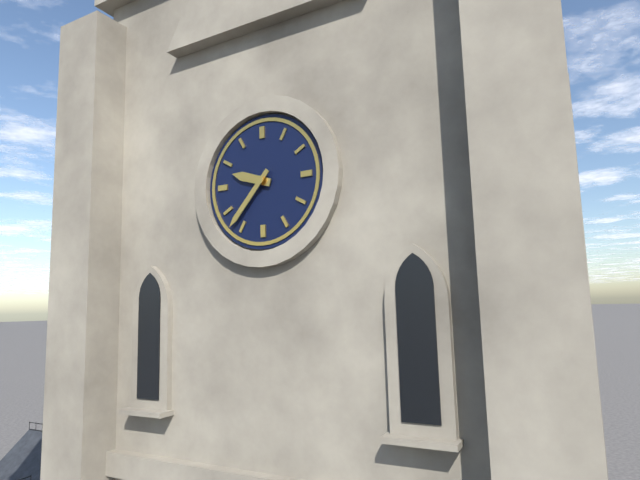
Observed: 9.37
